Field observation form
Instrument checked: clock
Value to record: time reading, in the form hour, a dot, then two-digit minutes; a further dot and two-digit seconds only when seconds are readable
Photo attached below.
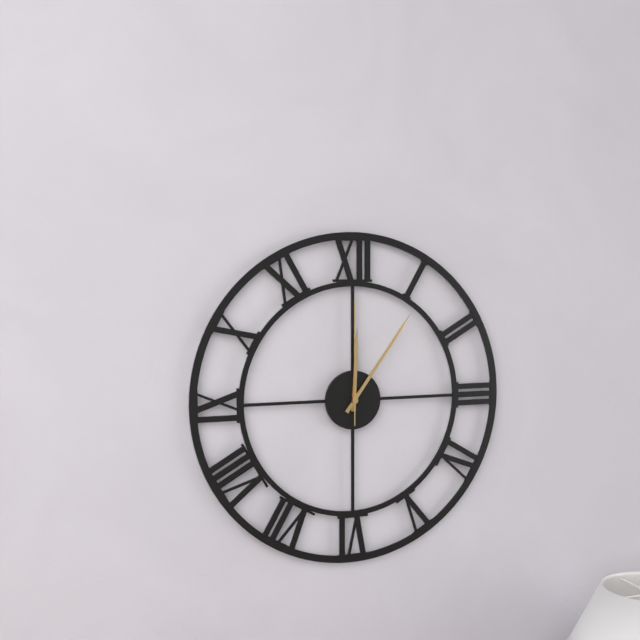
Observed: 12.06.00
